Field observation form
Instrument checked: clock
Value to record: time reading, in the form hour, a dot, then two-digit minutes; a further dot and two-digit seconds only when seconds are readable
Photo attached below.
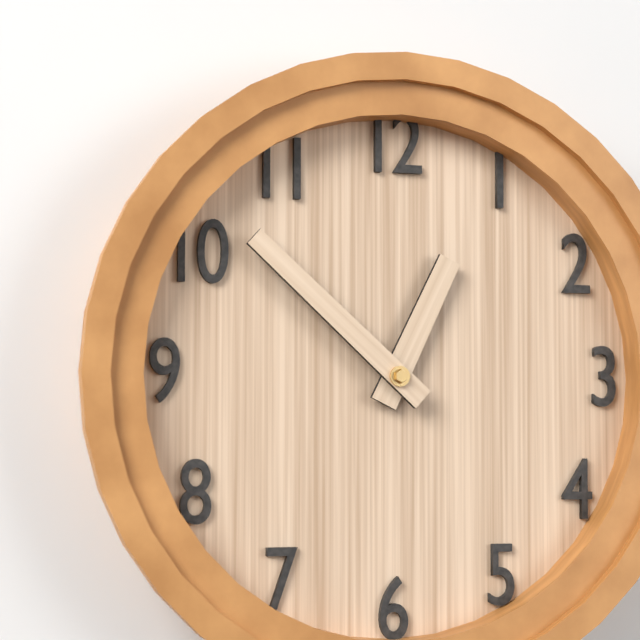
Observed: 12.52
